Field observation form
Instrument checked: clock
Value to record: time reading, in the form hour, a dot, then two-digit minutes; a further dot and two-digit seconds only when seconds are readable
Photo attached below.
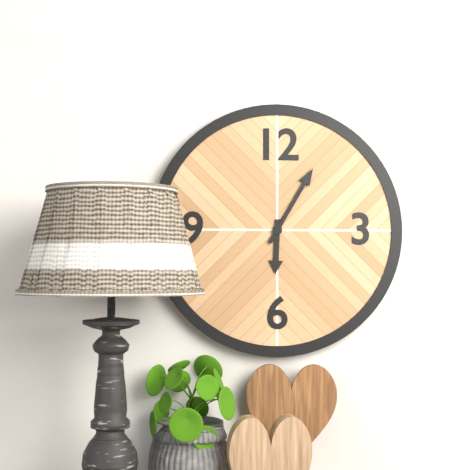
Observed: 6.05
